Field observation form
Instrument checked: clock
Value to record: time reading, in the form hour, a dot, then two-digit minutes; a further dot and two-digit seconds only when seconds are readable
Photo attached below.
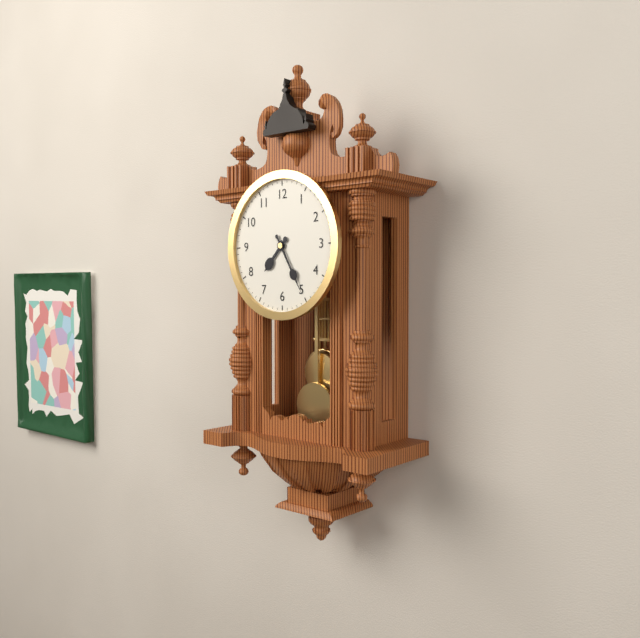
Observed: 7.25
